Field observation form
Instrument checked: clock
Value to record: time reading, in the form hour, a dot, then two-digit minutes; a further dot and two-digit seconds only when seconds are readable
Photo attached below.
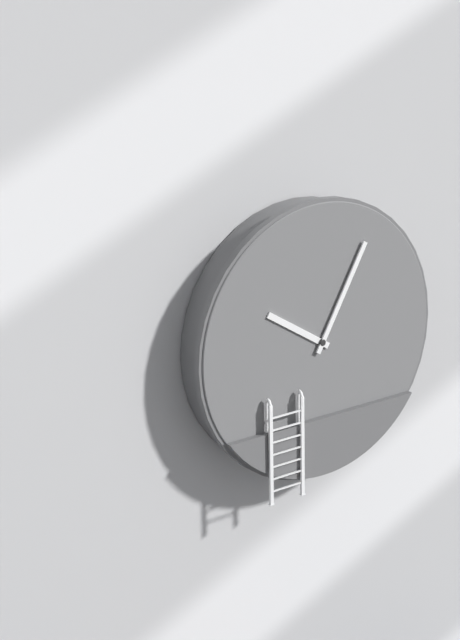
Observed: 10.05
